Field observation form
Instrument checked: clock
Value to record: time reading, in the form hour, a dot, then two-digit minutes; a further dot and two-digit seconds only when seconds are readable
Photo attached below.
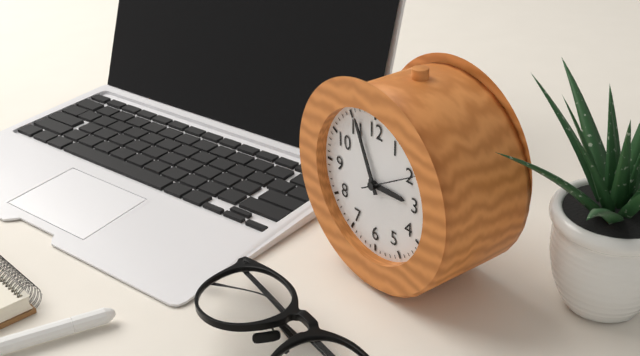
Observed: 2.56.10
